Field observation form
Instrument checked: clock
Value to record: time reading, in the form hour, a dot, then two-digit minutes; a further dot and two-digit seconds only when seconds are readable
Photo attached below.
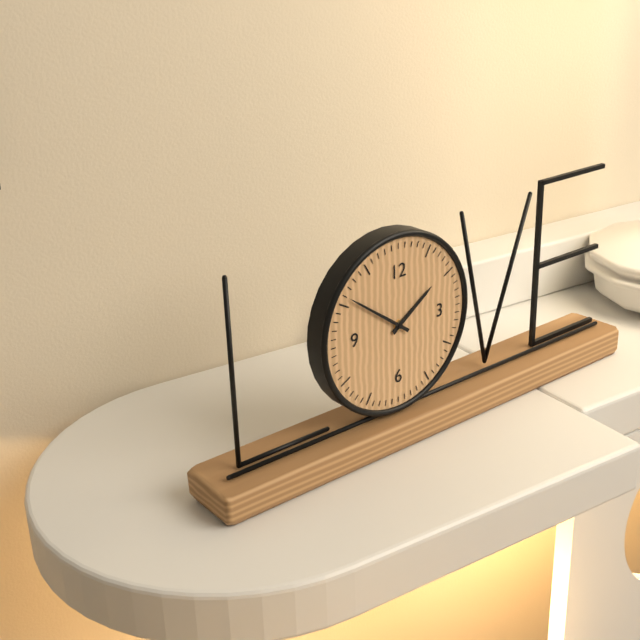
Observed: 1.51
